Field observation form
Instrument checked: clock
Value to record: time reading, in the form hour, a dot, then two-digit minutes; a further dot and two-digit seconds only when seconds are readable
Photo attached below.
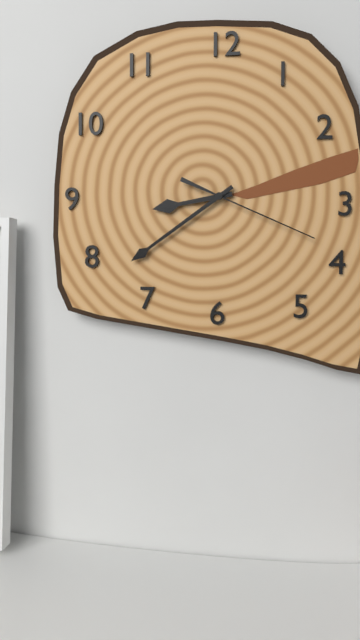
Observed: 8.39.19
